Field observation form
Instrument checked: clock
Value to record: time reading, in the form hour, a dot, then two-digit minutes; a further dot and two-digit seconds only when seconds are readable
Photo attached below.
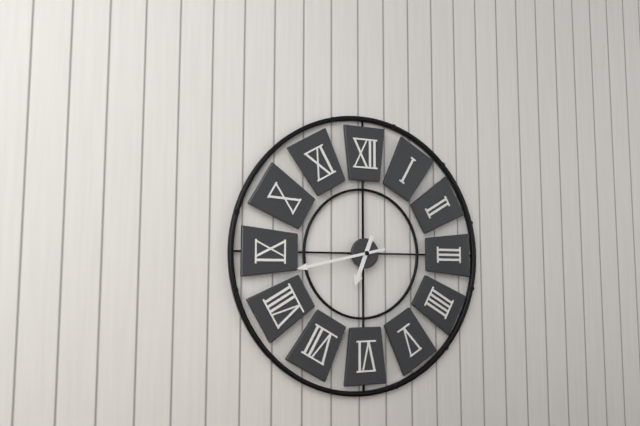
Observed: 6.43
